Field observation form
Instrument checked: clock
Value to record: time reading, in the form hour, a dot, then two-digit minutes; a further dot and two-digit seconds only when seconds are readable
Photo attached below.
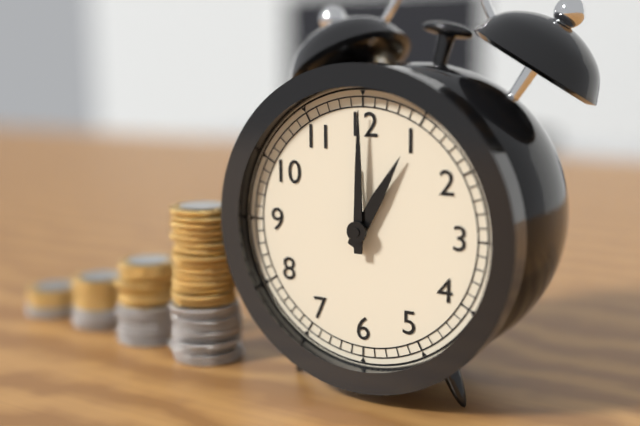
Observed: 1.00
